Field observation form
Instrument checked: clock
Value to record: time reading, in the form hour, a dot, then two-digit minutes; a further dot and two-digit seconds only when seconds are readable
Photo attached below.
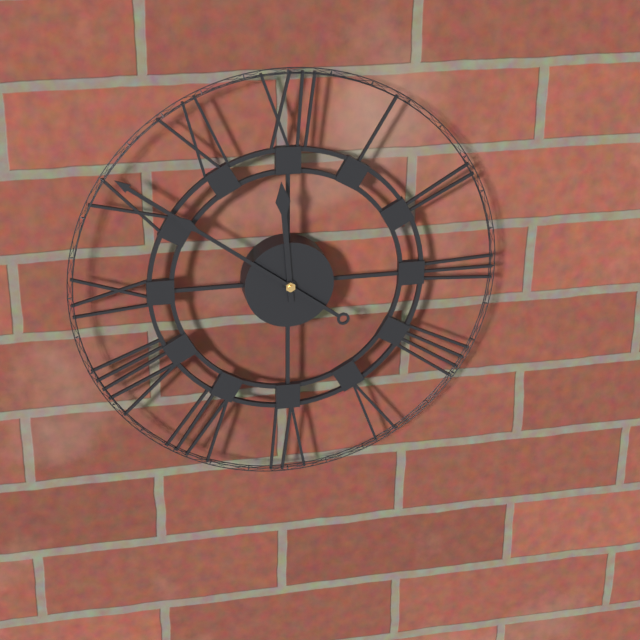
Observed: 11.51
